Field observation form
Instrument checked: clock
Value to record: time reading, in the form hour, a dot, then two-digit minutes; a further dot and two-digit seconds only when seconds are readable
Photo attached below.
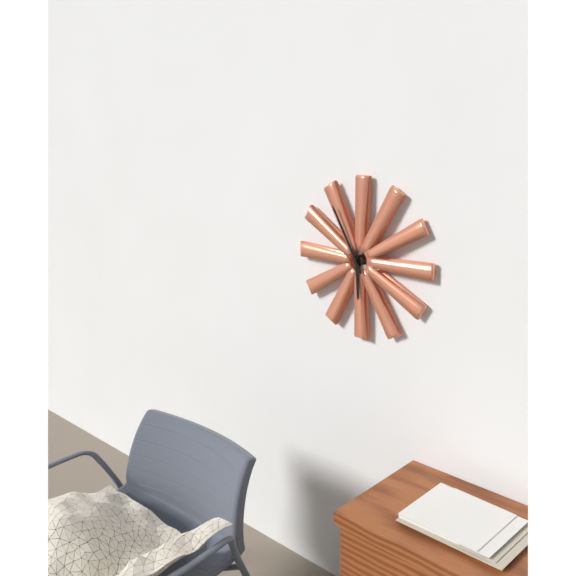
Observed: 5.55
